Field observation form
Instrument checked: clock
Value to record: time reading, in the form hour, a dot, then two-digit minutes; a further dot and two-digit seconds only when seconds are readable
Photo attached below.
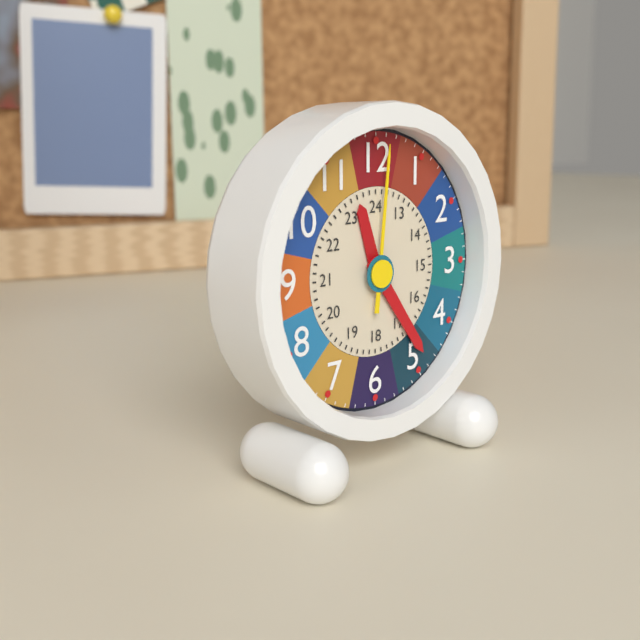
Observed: 11.24.01
